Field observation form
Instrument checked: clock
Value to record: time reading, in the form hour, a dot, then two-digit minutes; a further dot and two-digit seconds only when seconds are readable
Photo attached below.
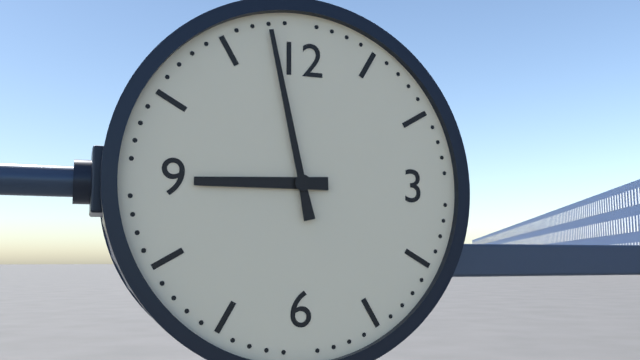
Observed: 8.58
